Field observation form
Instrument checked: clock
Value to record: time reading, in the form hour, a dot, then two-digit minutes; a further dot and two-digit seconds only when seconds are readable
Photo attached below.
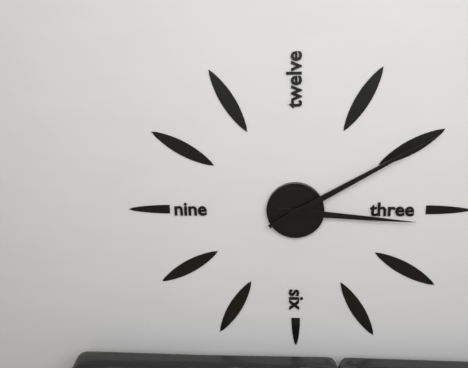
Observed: 3.10
